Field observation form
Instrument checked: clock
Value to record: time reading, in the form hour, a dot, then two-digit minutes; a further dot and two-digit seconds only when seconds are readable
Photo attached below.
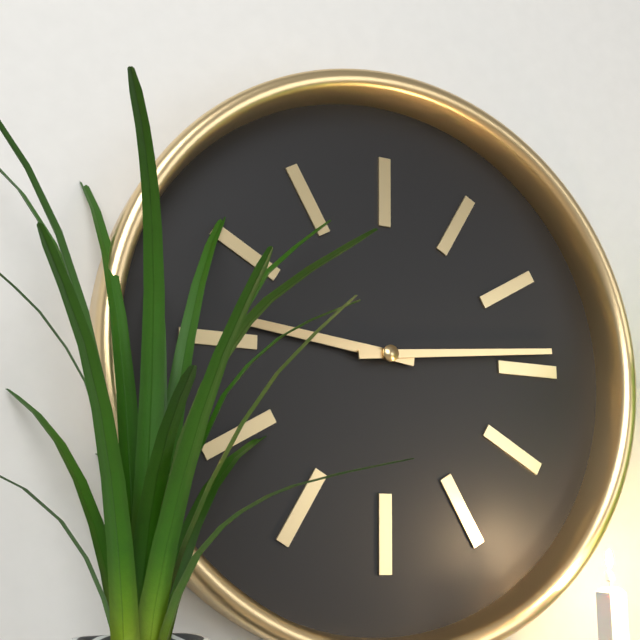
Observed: 9.14
